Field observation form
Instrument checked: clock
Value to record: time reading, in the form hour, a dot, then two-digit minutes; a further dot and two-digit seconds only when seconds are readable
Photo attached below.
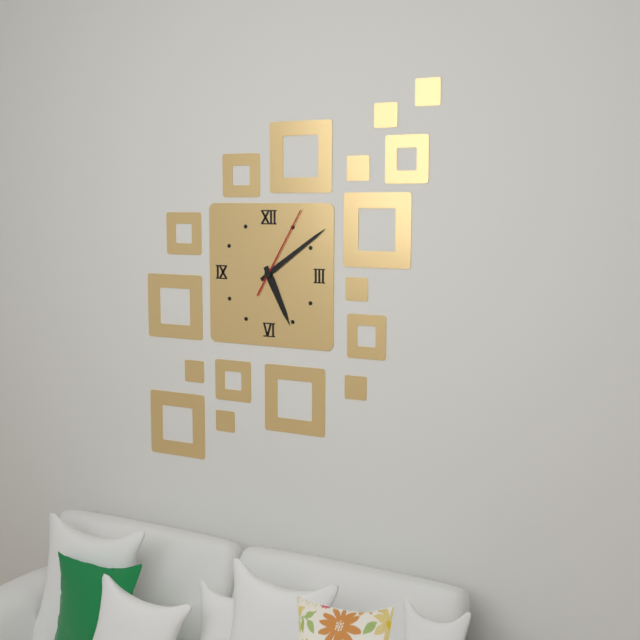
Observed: 5.09.05
